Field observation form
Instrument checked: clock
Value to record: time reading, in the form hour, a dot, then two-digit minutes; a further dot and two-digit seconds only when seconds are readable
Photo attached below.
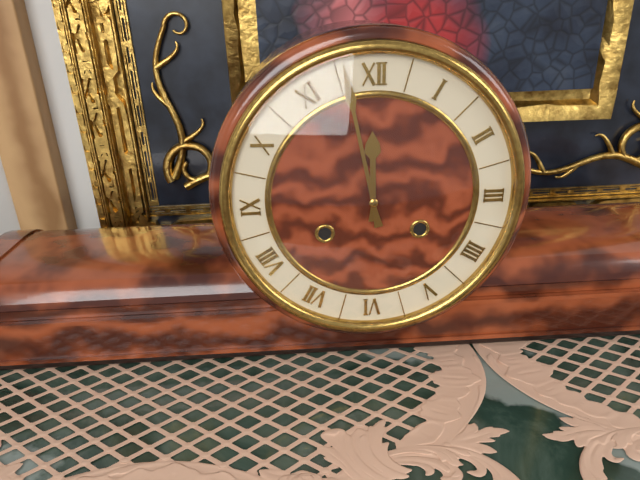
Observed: 11.58
